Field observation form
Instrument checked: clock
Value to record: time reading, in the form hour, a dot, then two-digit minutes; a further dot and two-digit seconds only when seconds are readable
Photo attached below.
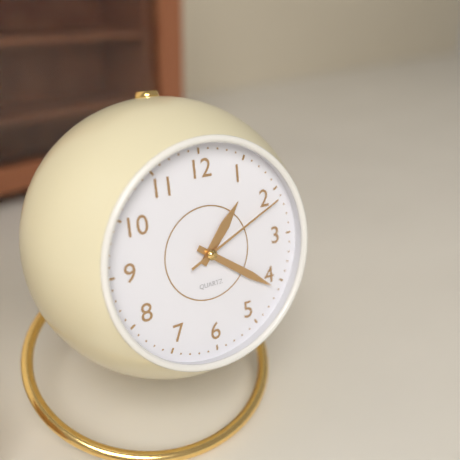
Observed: 1.21.11
